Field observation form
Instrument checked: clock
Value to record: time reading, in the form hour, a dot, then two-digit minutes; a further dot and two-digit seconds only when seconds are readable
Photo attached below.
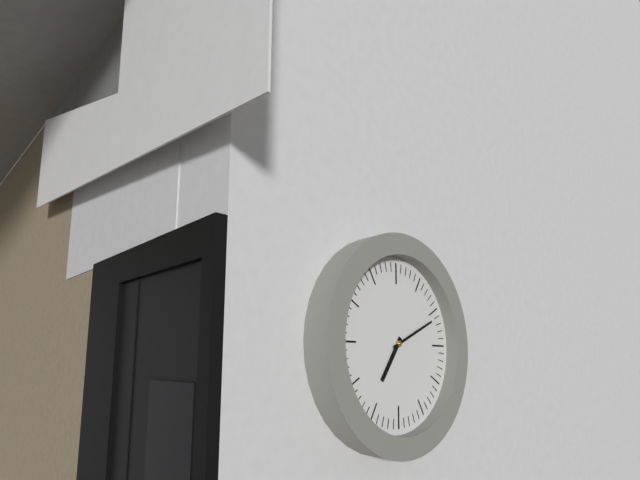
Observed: 7.11
